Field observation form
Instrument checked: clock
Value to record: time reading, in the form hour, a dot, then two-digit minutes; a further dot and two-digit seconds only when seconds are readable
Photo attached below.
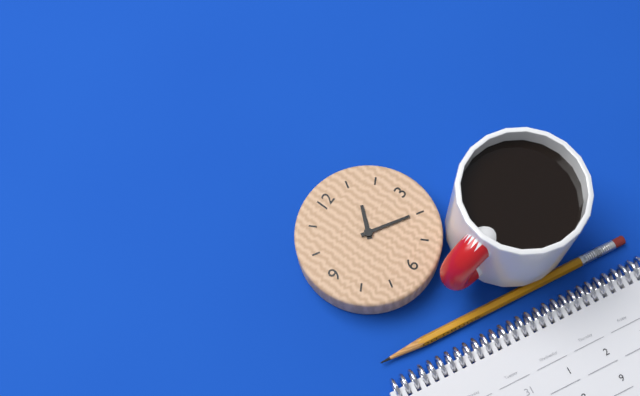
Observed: 1.20
